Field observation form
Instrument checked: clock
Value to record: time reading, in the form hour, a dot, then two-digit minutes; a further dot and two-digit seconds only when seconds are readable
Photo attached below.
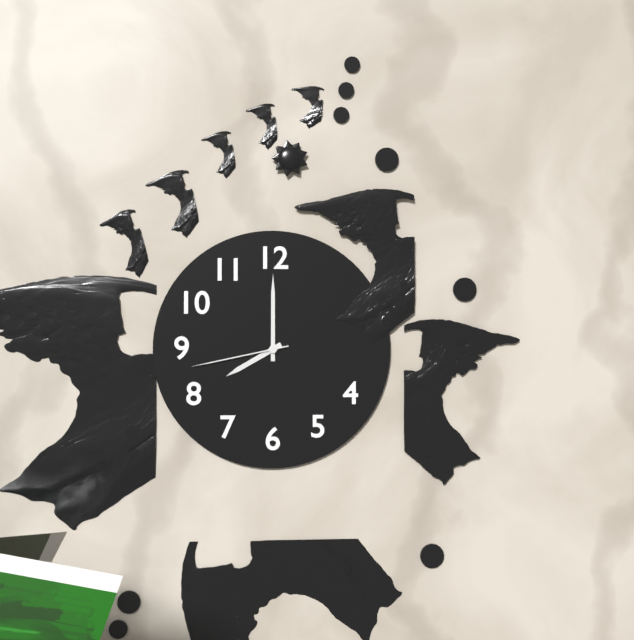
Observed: 8.00.43
